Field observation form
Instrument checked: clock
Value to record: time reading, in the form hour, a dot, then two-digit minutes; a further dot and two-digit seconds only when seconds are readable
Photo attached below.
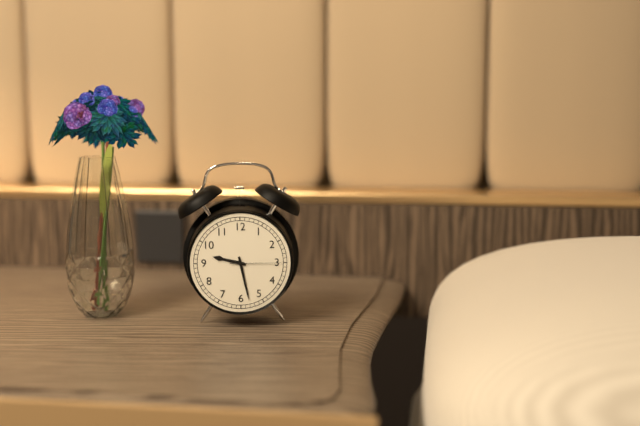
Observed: 9.28.15
